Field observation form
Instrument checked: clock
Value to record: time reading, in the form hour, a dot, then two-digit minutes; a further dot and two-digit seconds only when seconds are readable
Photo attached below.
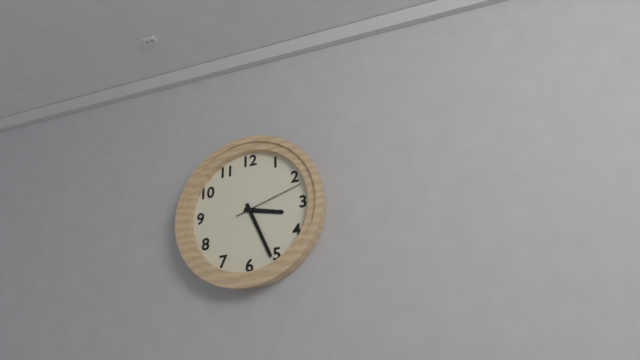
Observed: 3.26.12
